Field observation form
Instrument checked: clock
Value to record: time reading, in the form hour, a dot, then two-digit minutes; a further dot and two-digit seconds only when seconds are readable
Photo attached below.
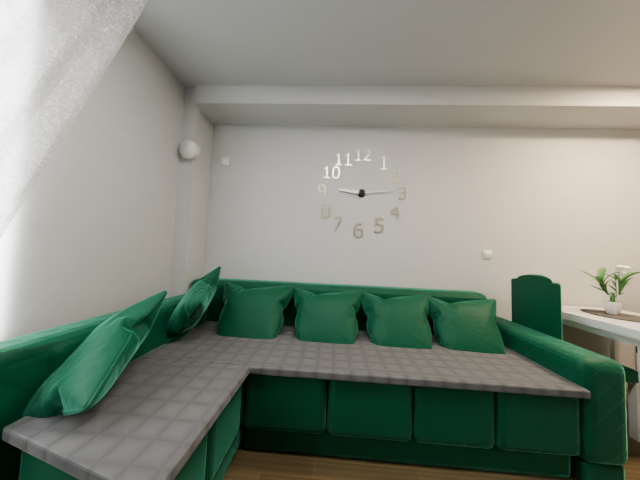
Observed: 9.14
